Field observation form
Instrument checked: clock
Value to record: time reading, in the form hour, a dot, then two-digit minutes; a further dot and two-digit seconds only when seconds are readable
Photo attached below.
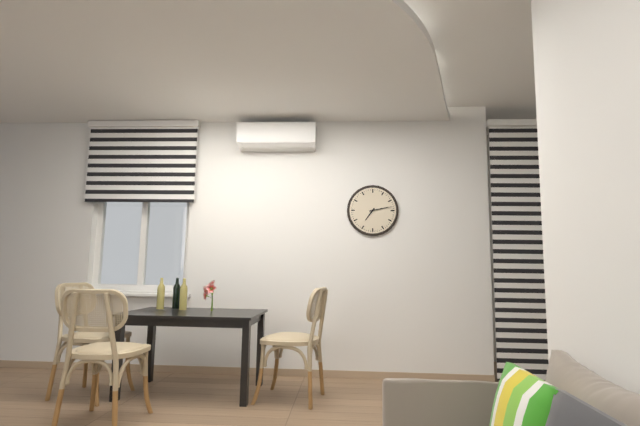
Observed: 7.13
